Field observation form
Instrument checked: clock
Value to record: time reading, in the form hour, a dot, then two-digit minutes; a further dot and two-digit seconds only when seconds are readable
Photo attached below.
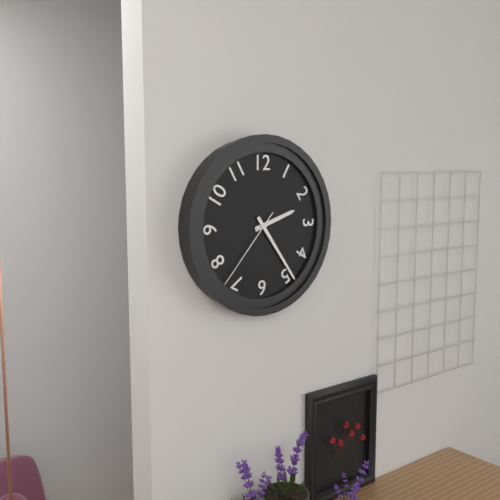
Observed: 2.24.37
